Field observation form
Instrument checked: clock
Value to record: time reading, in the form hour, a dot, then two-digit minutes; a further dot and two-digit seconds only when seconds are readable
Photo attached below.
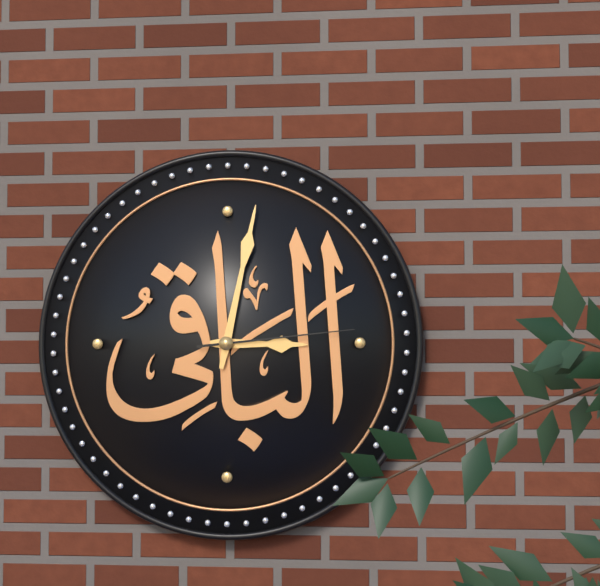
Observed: 3.02.14
